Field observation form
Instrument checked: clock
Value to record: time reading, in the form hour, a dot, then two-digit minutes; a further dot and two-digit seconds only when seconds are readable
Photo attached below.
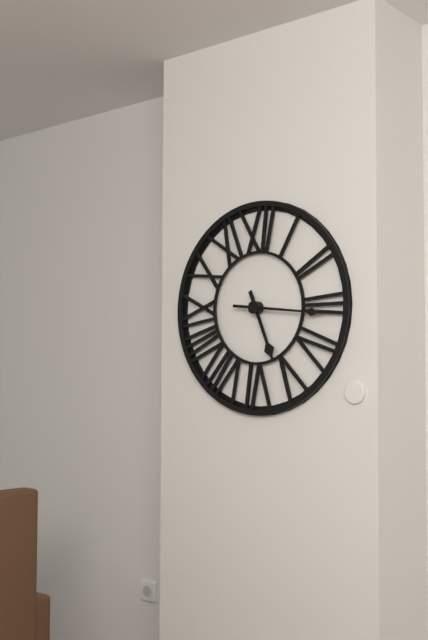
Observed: 5.16
